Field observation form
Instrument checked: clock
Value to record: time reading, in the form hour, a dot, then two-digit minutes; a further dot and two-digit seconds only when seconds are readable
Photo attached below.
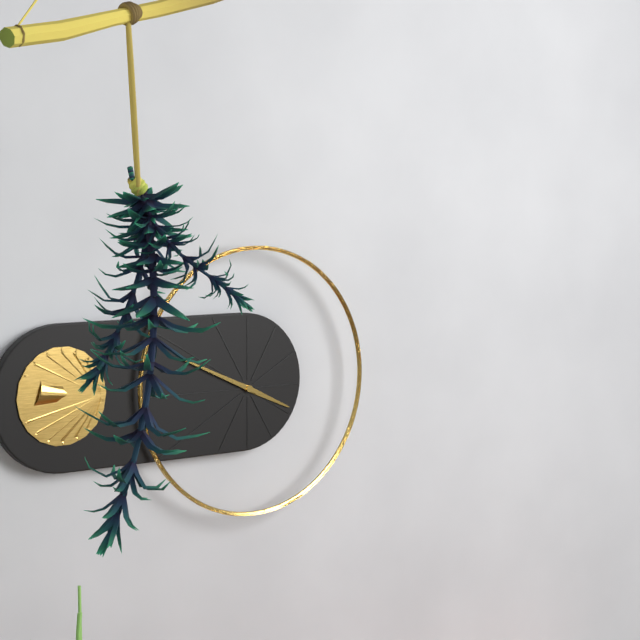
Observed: 3.49
